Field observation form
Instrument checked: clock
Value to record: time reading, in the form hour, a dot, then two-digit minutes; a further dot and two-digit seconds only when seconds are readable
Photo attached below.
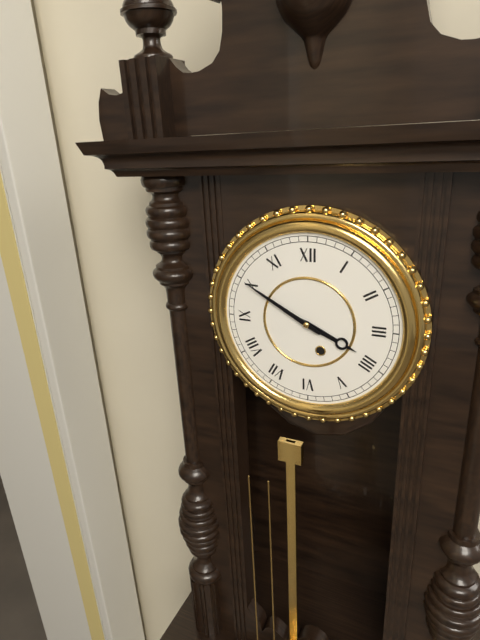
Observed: 3.50
